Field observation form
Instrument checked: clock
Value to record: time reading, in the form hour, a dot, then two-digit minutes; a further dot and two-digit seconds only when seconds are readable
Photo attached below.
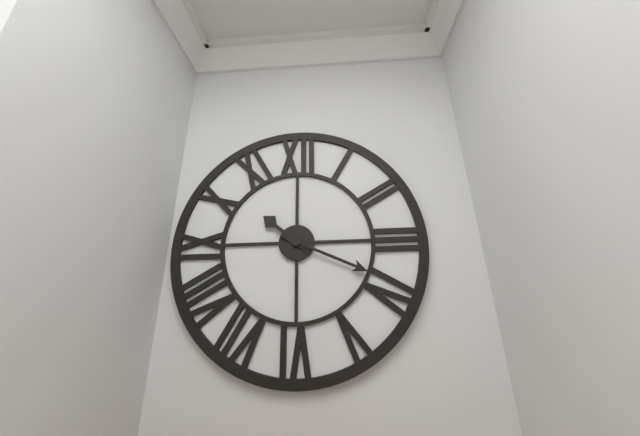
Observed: 10.19
